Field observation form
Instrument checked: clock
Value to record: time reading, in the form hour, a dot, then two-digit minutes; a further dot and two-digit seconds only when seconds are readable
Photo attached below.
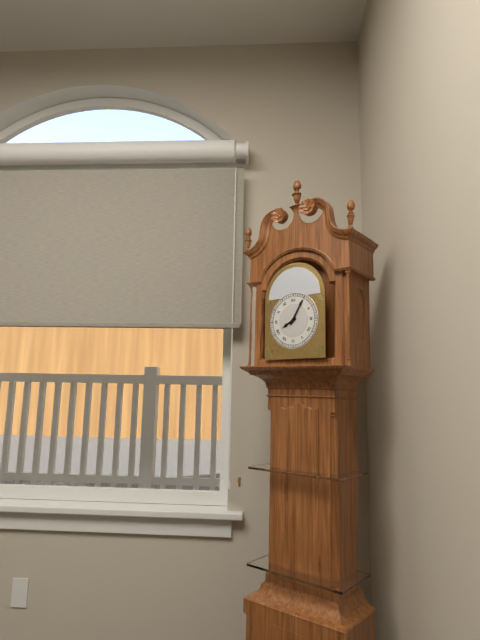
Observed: 8.05
